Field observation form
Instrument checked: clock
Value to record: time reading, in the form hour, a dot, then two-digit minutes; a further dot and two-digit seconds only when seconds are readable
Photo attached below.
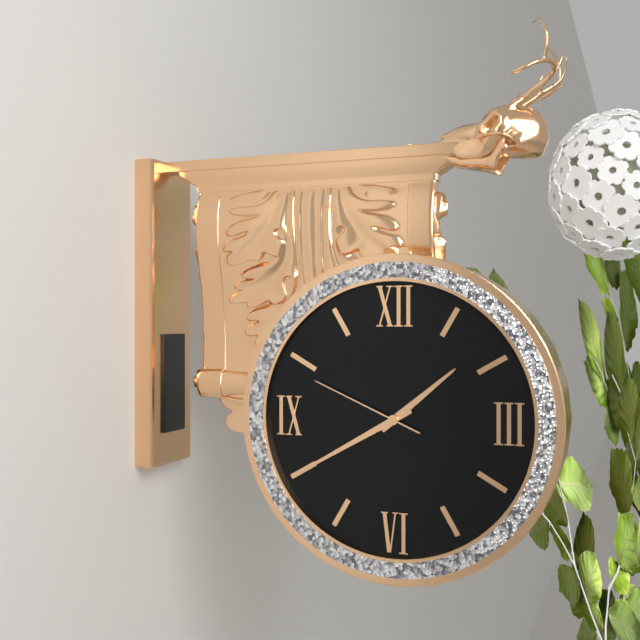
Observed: 1.40.49
